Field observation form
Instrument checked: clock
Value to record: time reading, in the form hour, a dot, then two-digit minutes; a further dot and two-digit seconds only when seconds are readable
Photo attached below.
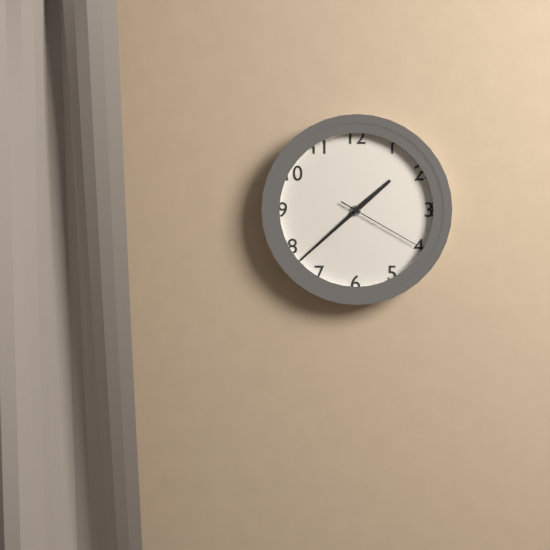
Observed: 1.38.20
